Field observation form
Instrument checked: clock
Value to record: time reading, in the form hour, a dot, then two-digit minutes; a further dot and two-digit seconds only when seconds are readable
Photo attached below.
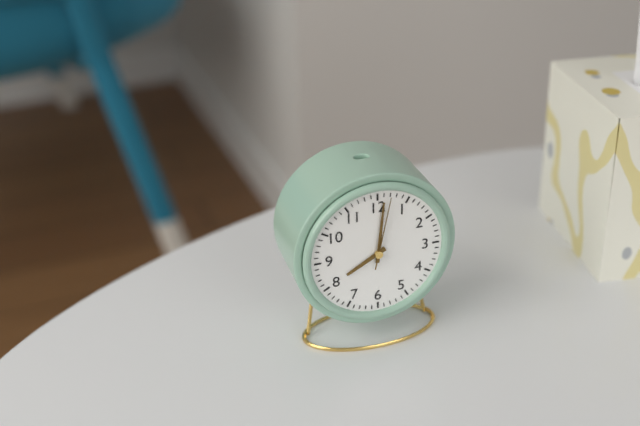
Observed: 8.01.02
